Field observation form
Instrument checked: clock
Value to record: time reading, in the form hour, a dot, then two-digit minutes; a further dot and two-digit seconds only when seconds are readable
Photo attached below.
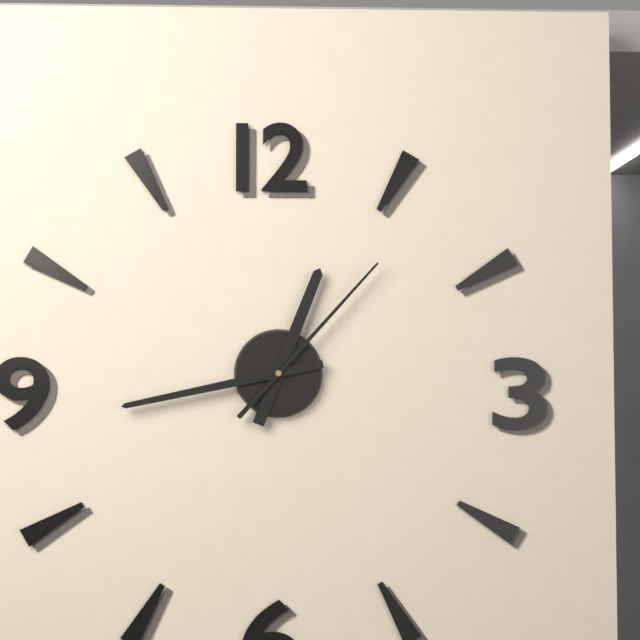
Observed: 12.43.07
